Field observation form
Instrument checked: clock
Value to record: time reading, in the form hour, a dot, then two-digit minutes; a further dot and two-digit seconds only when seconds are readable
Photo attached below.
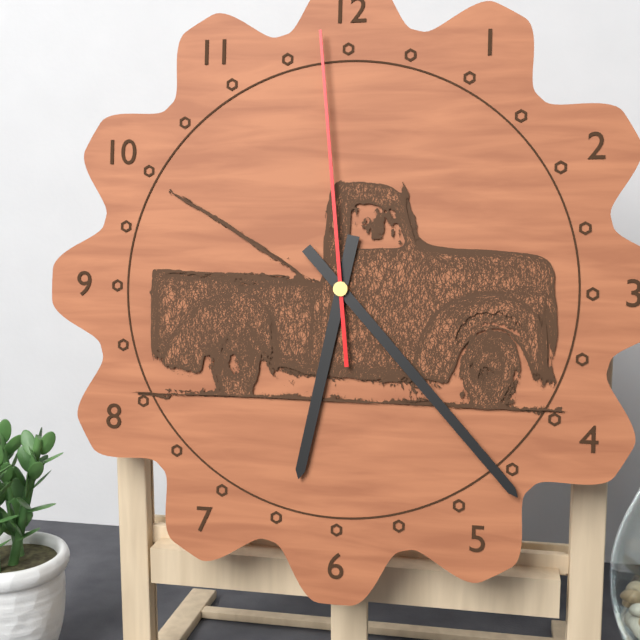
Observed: 6.23.59
